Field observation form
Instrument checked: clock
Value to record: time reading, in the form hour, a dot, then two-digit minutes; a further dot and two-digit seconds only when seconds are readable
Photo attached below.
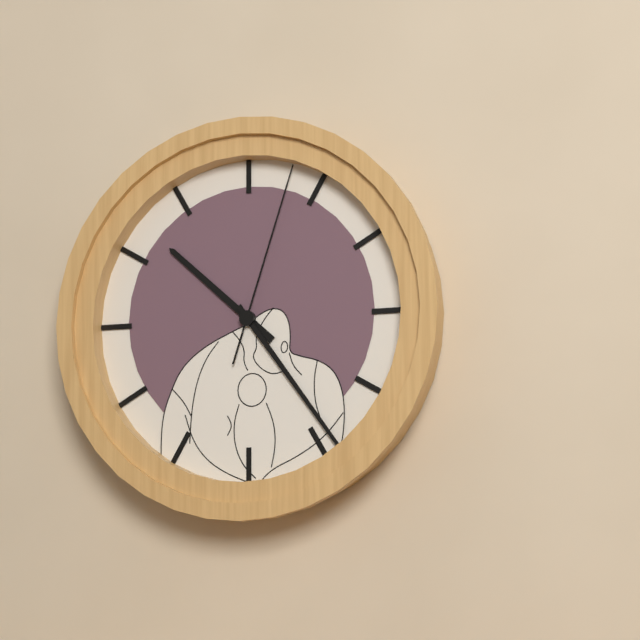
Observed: 10.24.03
